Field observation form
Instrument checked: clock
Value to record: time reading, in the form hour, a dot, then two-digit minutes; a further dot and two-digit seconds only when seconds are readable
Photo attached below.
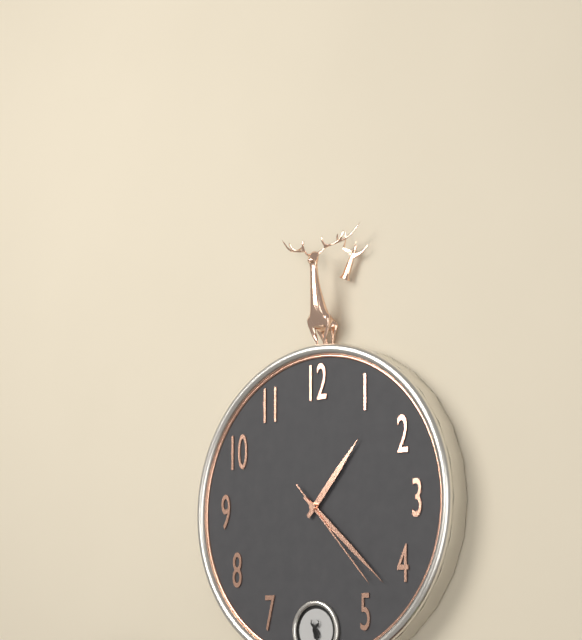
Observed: 1.22.23
